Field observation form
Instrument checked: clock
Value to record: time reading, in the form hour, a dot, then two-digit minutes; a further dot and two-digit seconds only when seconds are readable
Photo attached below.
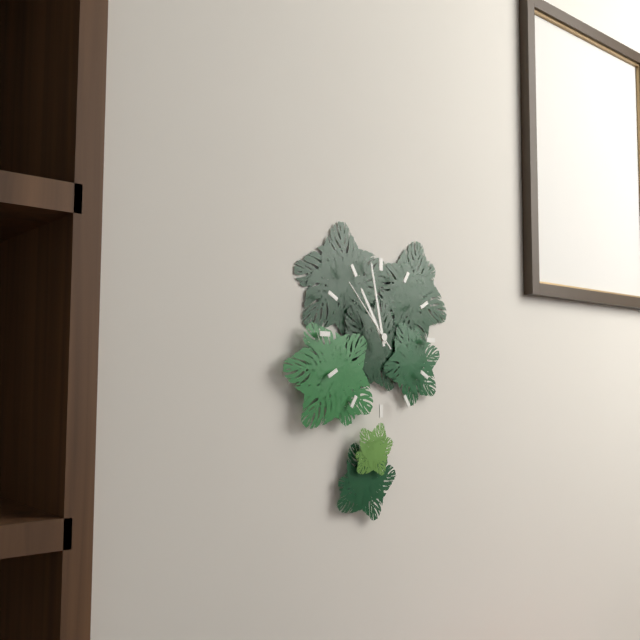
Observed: 10.58.53
